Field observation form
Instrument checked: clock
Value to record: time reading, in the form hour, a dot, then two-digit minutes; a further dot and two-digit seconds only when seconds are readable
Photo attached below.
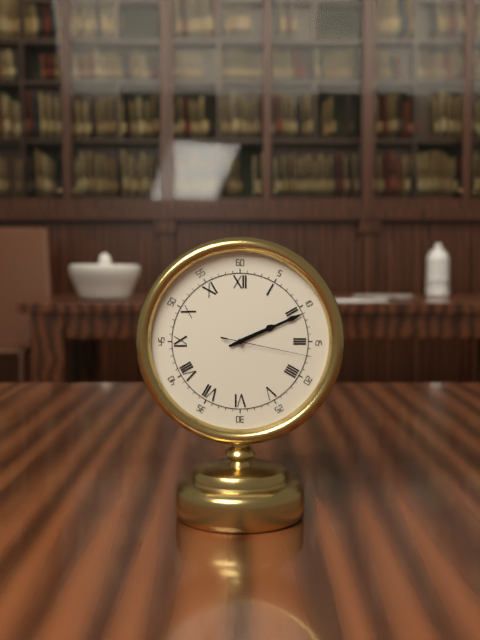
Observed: 2.11.17
